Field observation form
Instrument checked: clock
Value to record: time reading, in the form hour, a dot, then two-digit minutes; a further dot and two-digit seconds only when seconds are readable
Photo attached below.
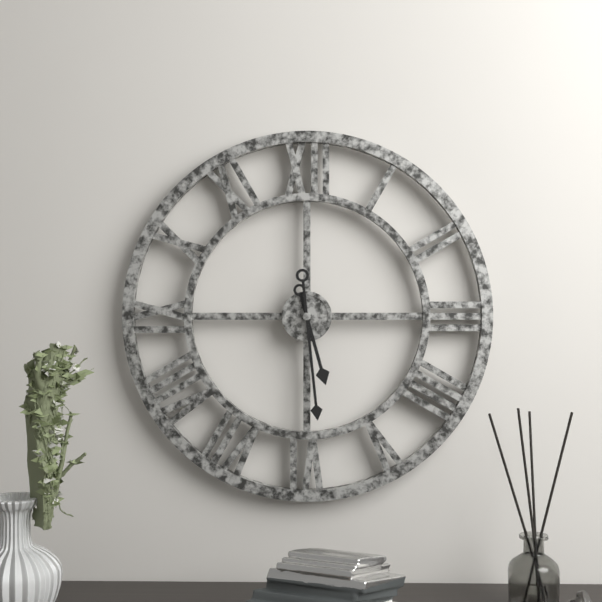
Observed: 5.29
